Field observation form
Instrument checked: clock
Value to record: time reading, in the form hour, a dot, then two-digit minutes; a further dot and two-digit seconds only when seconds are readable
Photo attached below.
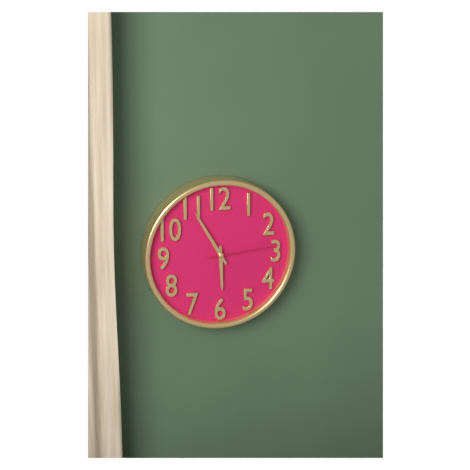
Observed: 5.55.14
